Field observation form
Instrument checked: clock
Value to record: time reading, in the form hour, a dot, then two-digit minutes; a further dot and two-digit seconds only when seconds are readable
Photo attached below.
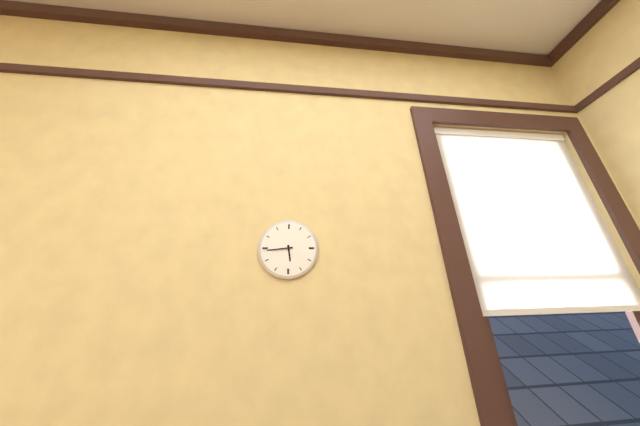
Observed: 5.44
